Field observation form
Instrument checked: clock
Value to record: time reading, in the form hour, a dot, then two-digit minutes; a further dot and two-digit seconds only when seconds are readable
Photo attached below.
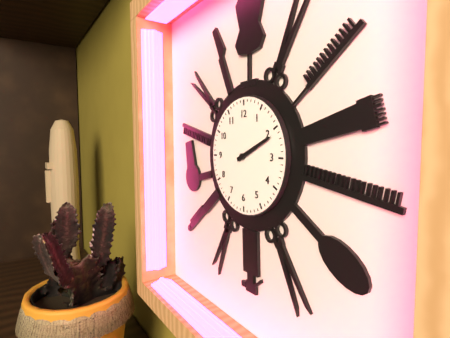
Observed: 2.11
